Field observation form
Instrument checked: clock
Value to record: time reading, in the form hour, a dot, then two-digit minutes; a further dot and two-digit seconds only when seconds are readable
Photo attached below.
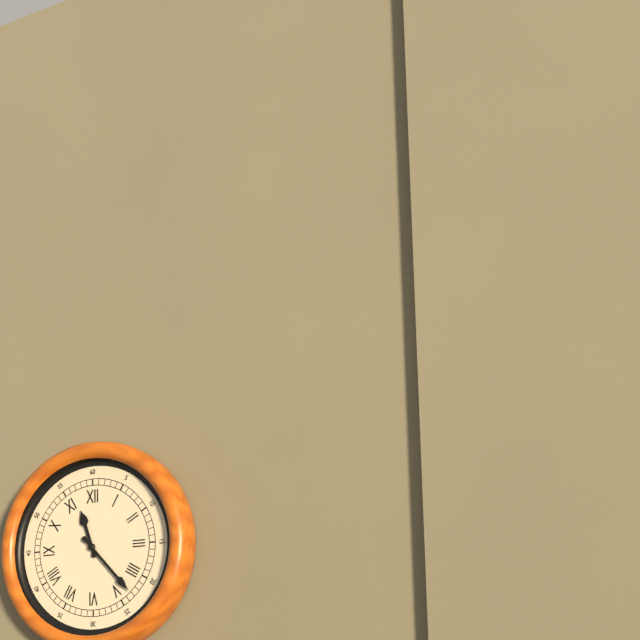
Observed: 11.23
